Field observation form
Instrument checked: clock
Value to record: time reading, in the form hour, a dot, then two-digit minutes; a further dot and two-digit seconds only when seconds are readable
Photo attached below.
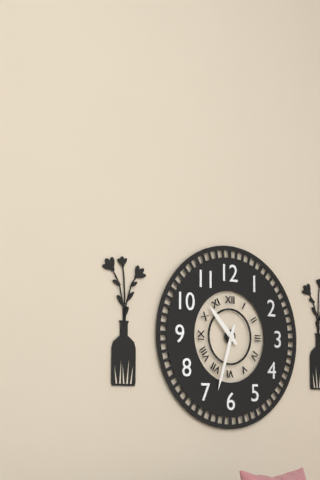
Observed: 10.33
